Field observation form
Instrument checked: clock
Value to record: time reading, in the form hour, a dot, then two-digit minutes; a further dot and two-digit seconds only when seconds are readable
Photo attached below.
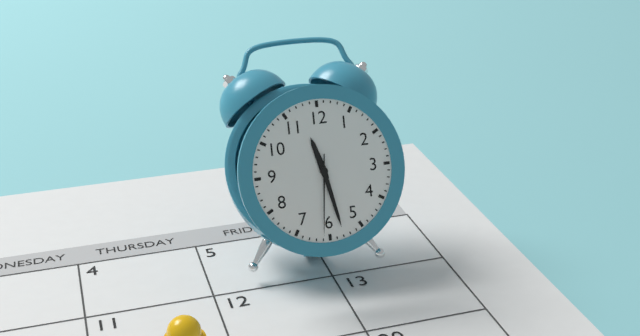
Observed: 11.28.31
